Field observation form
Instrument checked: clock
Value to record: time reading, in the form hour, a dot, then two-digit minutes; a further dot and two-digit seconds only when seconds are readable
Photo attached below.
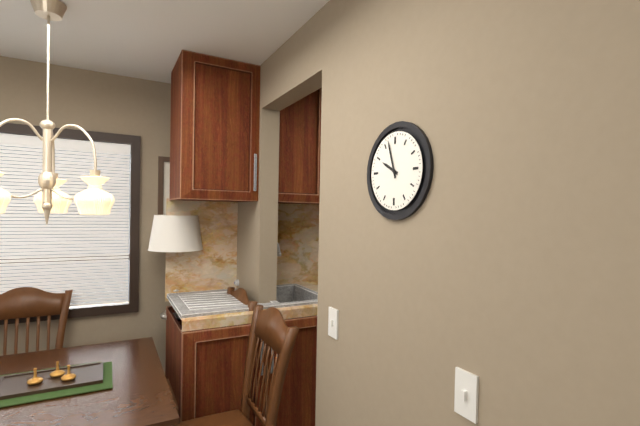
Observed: 9.57
